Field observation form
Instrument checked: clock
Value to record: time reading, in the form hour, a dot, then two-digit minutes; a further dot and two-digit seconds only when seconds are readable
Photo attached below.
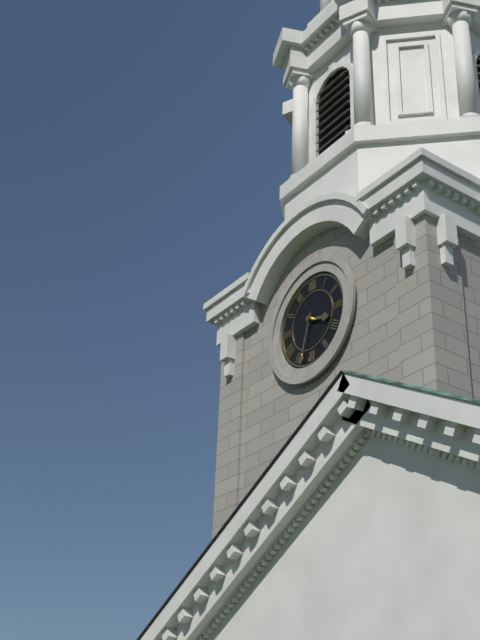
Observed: 3.33
